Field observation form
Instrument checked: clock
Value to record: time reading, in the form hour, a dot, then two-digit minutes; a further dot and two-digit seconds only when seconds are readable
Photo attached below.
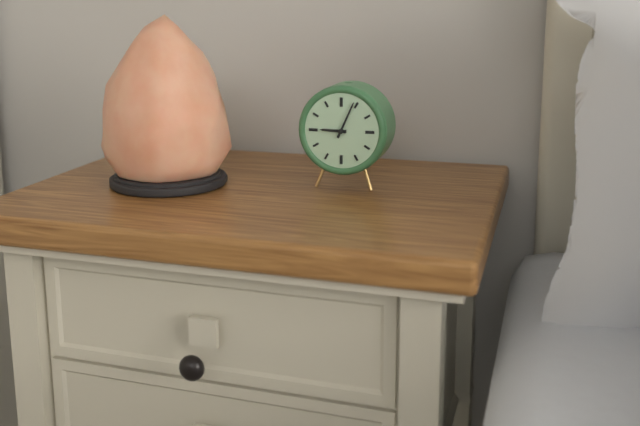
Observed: 9.04
